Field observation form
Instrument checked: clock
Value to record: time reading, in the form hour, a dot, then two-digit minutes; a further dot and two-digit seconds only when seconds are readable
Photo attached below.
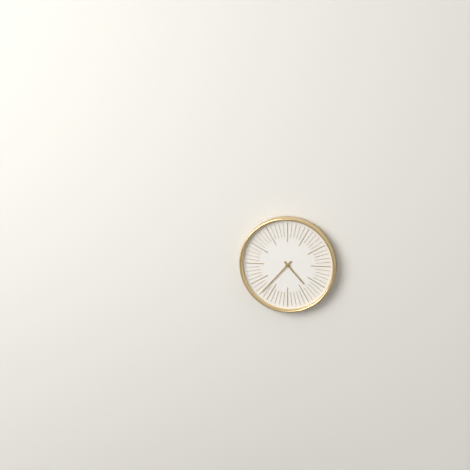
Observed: 4.37
